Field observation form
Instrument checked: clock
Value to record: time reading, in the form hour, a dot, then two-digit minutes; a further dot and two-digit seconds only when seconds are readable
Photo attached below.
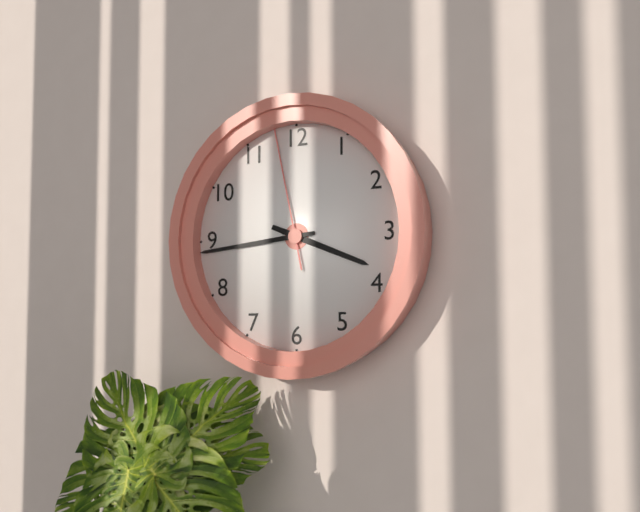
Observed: 3.44.58
